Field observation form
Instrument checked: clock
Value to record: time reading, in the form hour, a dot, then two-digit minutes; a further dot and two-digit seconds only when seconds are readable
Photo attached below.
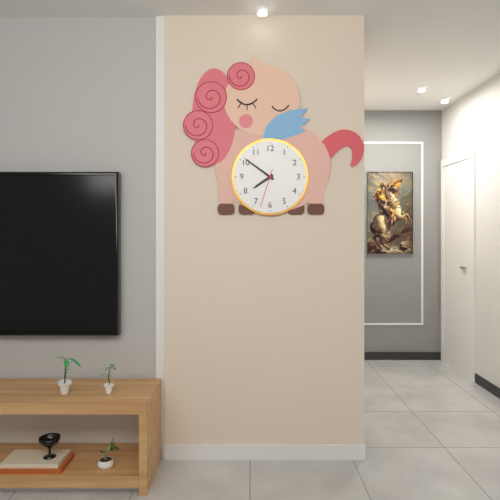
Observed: 7.51
